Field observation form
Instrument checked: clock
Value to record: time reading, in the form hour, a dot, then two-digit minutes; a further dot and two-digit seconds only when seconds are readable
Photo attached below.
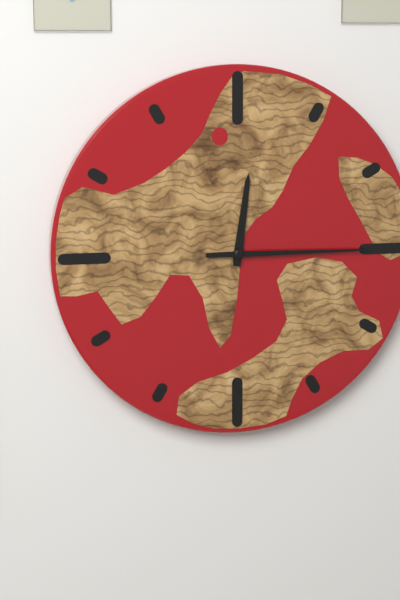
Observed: 12.15
